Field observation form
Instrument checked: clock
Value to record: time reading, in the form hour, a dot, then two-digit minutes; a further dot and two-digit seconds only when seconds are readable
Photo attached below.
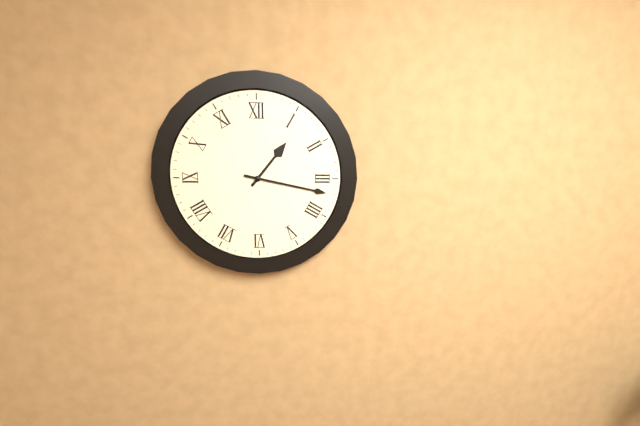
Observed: 1.17
